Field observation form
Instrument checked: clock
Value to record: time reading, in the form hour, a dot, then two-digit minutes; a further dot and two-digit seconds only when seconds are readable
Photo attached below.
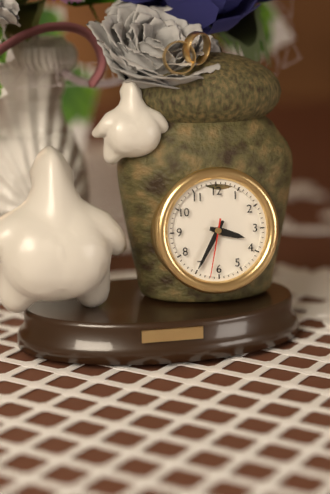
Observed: 3.35.32
